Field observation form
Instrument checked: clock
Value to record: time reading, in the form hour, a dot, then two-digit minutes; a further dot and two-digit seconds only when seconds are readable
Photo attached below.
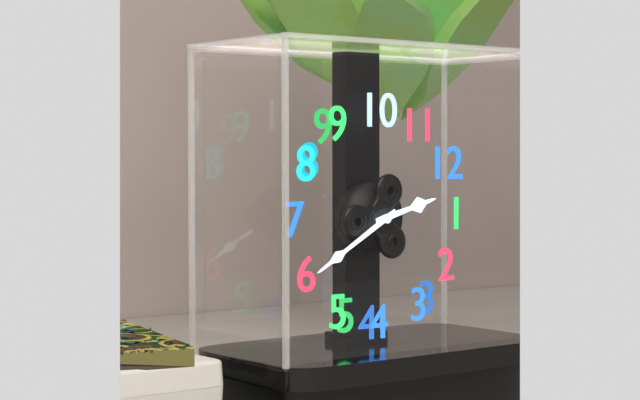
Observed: 12.30
